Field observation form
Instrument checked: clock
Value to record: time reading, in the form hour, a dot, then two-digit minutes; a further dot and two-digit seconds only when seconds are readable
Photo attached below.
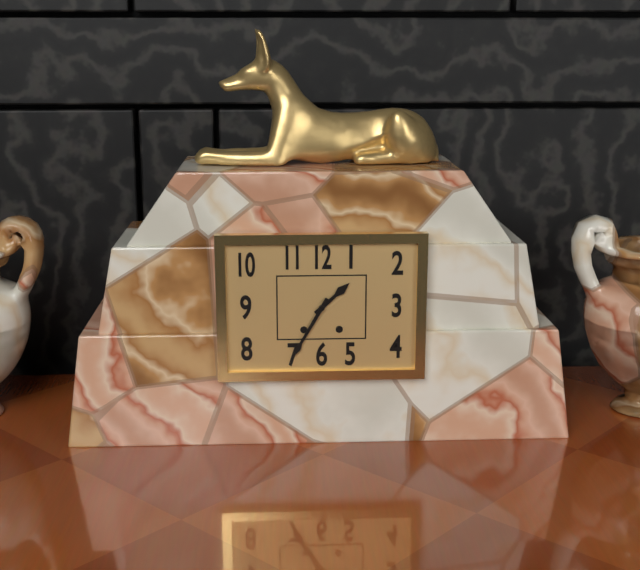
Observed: 1.35
